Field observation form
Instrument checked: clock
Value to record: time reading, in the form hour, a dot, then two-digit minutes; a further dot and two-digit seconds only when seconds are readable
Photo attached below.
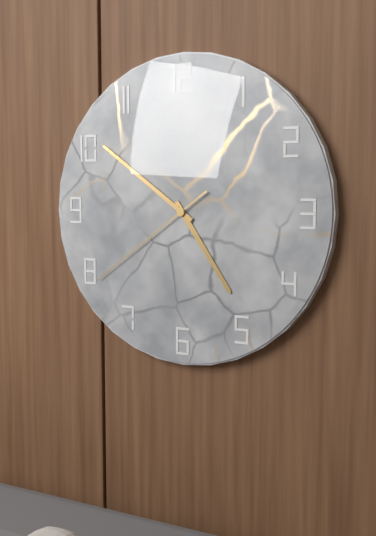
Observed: 4.51.39
